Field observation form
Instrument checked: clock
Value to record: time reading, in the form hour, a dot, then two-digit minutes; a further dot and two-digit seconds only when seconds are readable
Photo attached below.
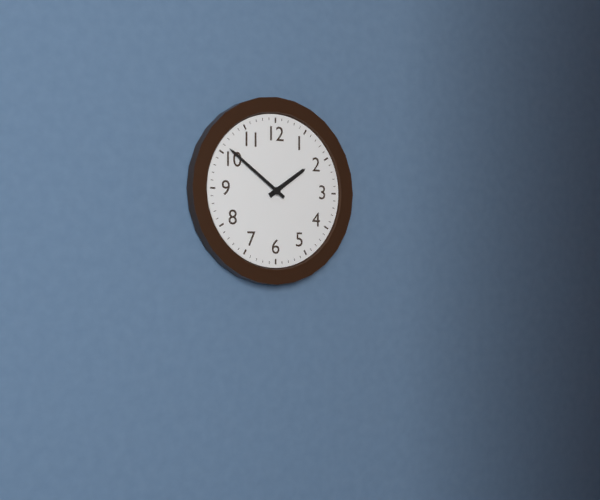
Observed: 1.51
